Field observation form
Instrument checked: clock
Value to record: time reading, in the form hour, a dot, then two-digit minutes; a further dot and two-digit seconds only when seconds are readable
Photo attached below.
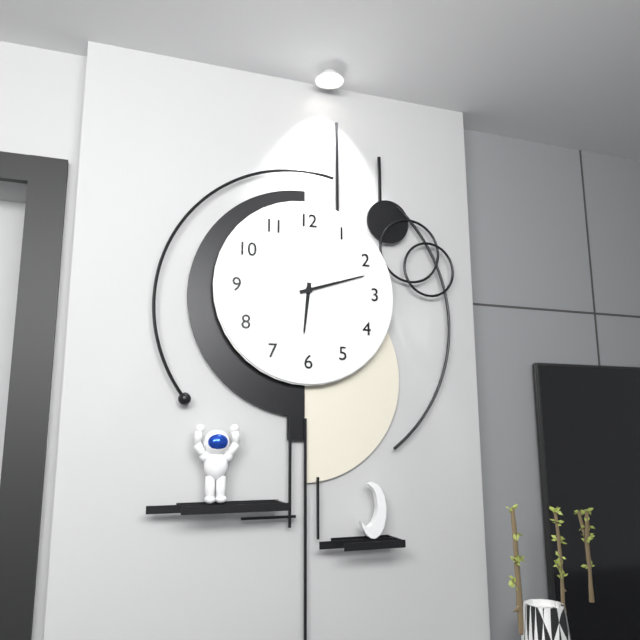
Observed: 6.12
